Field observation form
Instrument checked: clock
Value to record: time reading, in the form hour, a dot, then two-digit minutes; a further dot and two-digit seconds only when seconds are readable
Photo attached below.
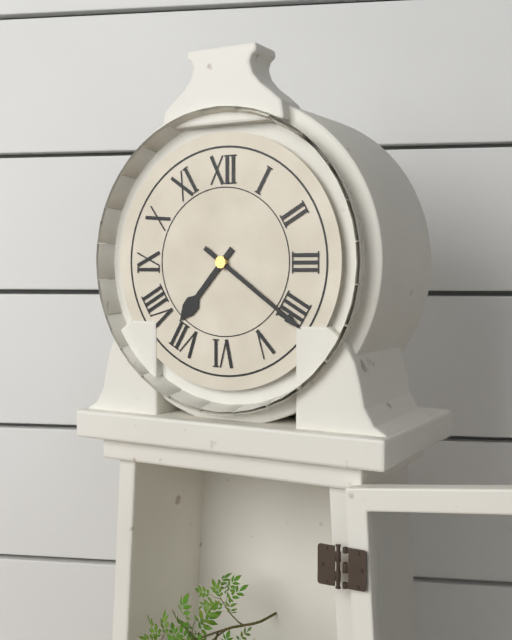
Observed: 7.21
